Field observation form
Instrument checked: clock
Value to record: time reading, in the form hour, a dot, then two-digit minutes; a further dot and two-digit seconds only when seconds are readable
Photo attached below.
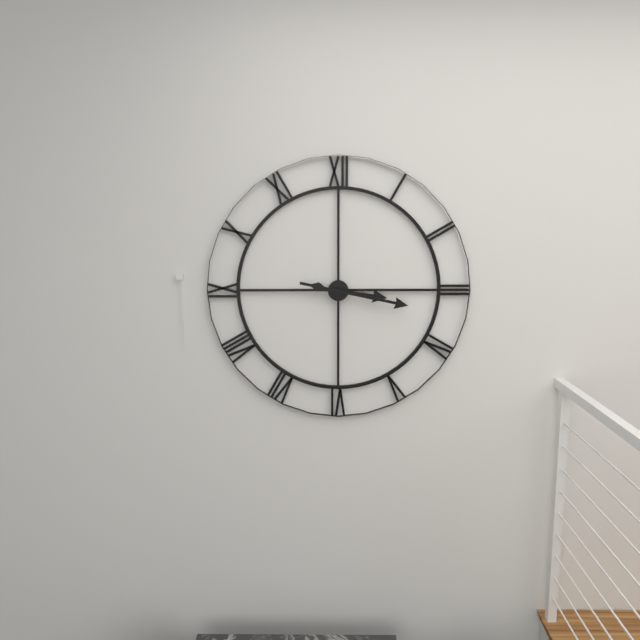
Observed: 3.17
